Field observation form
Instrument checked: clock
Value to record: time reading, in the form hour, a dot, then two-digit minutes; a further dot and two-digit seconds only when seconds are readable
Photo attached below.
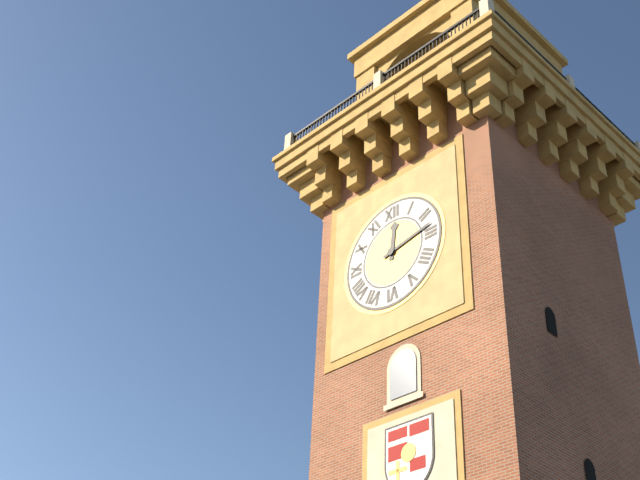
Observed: 12.13
